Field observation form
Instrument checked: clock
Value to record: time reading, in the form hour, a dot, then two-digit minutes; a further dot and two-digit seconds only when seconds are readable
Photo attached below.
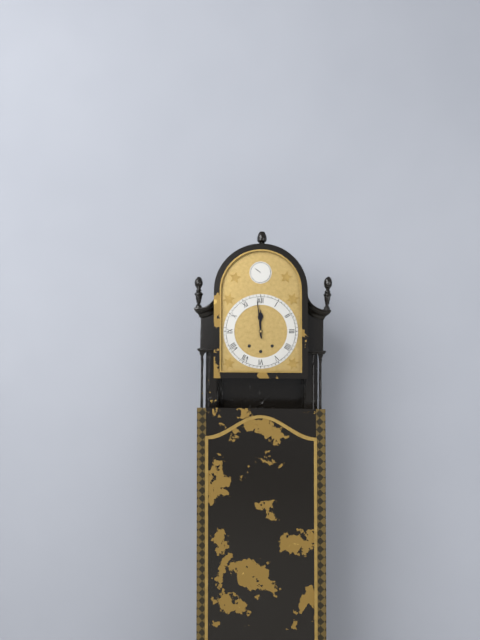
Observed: 11.59
